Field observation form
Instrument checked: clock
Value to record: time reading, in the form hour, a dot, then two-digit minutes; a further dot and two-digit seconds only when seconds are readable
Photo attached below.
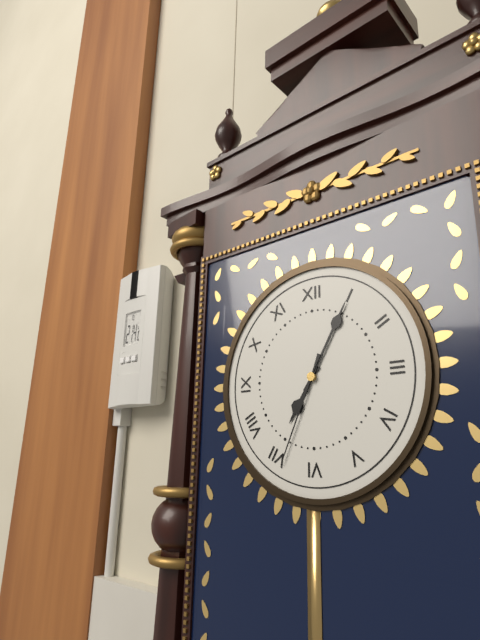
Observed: 7.05.34
